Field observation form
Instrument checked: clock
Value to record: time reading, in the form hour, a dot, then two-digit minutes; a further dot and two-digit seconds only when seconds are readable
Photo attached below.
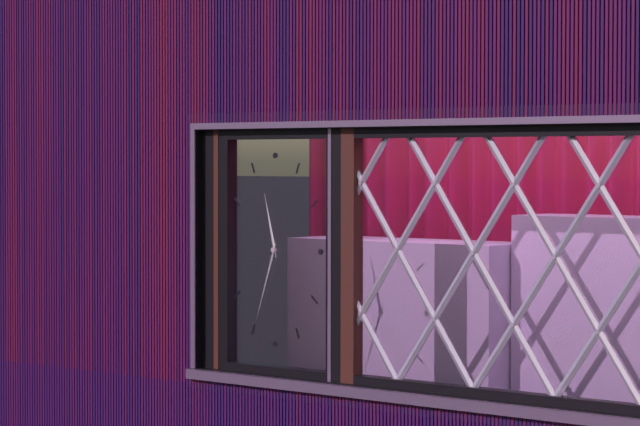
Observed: 11.33
